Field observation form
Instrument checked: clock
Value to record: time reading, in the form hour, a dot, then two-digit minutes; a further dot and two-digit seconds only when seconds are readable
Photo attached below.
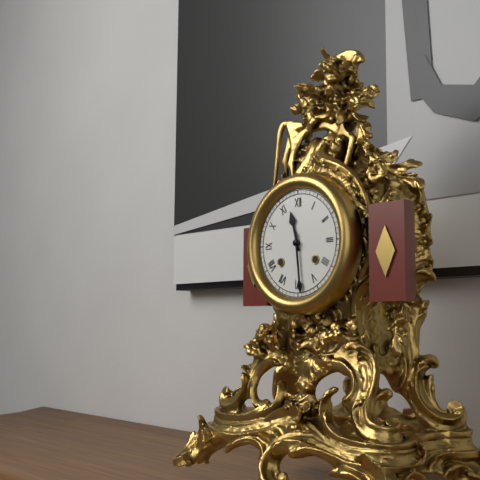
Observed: 11.29
